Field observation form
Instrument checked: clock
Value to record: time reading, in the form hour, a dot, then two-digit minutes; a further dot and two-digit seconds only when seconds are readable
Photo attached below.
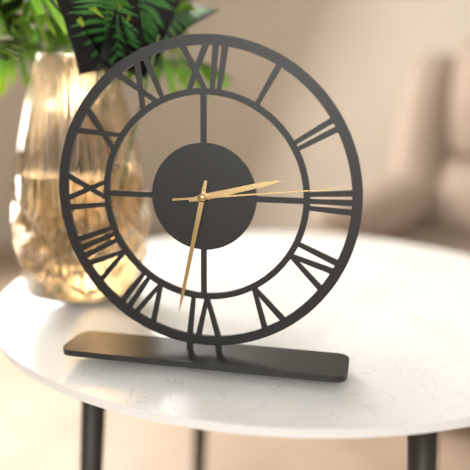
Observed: 2.32.14
